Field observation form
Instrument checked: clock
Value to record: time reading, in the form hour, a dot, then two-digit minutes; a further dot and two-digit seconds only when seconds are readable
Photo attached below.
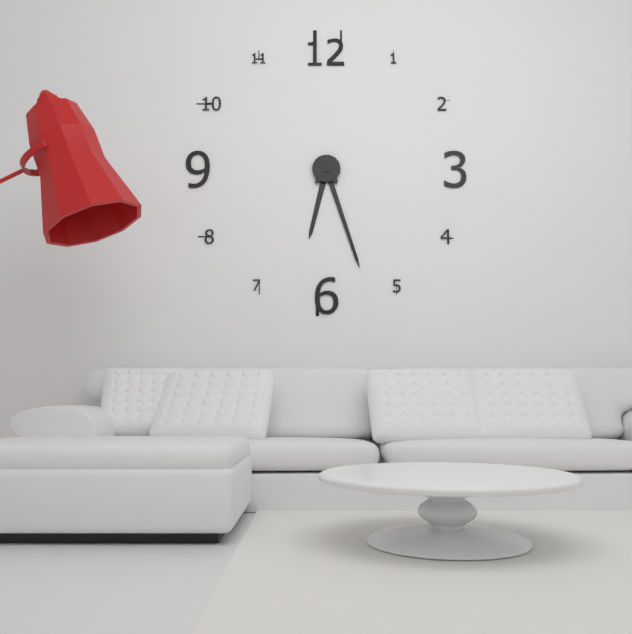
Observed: 6.27
